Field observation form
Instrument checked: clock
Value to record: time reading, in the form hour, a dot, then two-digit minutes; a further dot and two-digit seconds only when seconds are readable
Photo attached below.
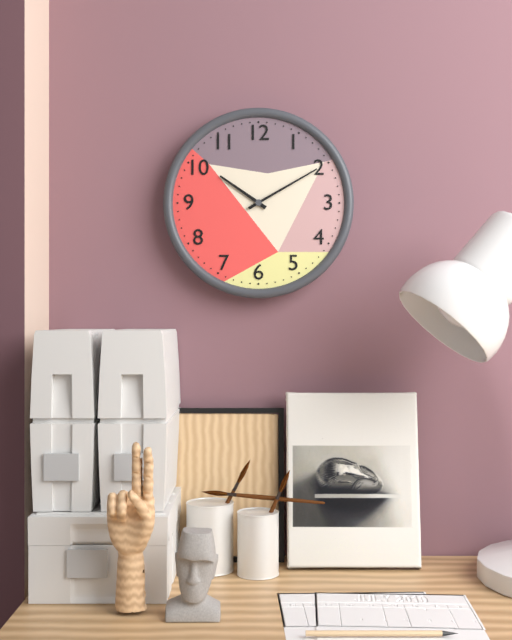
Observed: 10.10
